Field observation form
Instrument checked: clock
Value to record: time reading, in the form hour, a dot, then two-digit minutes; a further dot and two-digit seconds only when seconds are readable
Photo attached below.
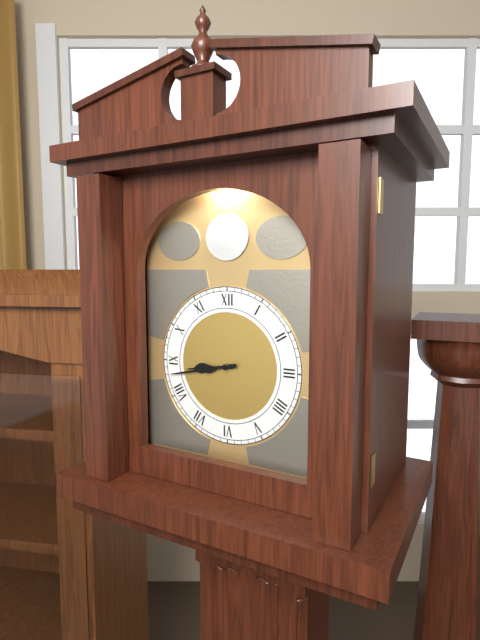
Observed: 8.43
